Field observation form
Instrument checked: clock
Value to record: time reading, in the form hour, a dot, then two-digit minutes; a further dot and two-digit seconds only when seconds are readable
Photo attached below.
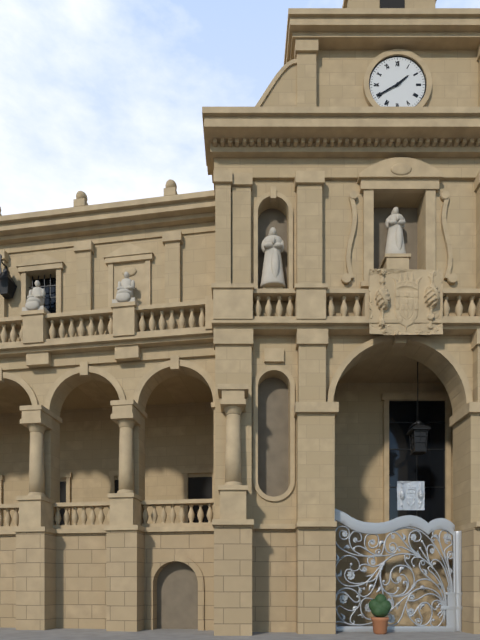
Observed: 1.40
